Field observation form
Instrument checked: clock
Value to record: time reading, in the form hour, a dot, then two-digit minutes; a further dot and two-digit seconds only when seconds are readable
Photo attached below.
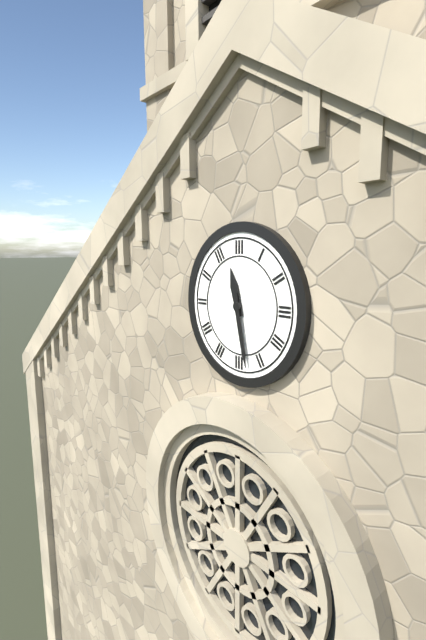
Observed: 11.28
